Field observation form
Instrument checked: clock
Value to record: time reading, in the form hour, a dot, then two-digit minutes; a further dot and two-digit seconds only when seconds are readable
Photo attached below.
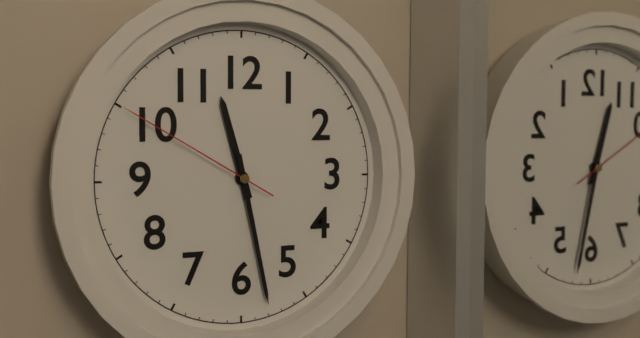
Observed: 11.28.50
